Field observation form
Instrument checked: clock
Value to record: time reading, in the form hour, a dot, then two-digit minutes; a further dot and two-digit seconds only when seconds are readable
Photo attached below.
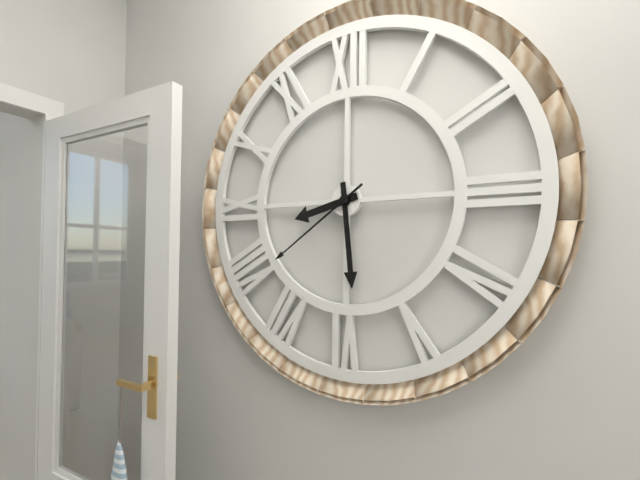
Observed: 8.29.39
